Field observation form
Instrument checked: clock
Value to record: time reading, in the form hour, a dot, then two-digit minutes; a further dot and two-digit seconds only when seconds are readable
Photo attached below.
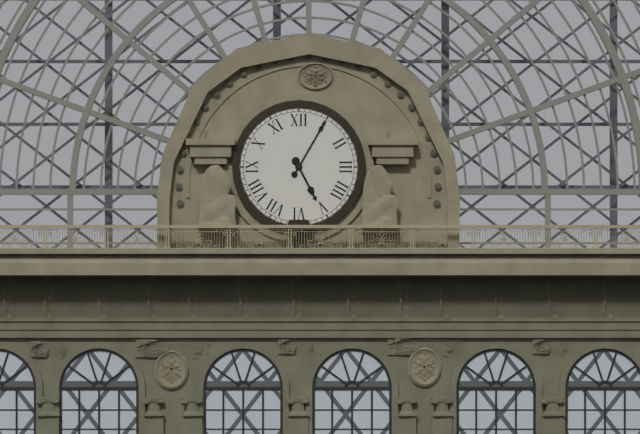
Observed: 5.05
